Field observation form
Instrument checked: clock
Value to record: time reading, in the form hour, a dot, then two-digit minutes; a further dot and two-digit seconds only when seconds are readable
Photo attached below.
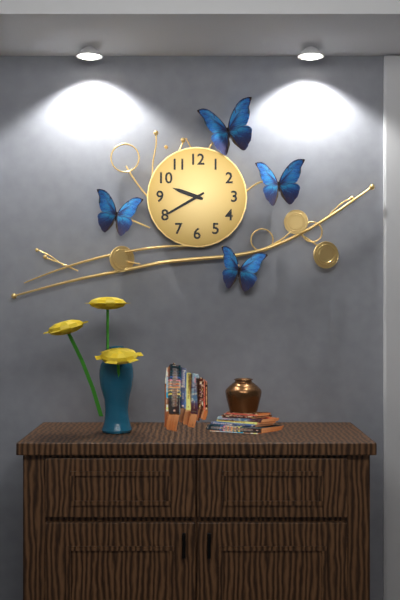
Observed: 9.40
